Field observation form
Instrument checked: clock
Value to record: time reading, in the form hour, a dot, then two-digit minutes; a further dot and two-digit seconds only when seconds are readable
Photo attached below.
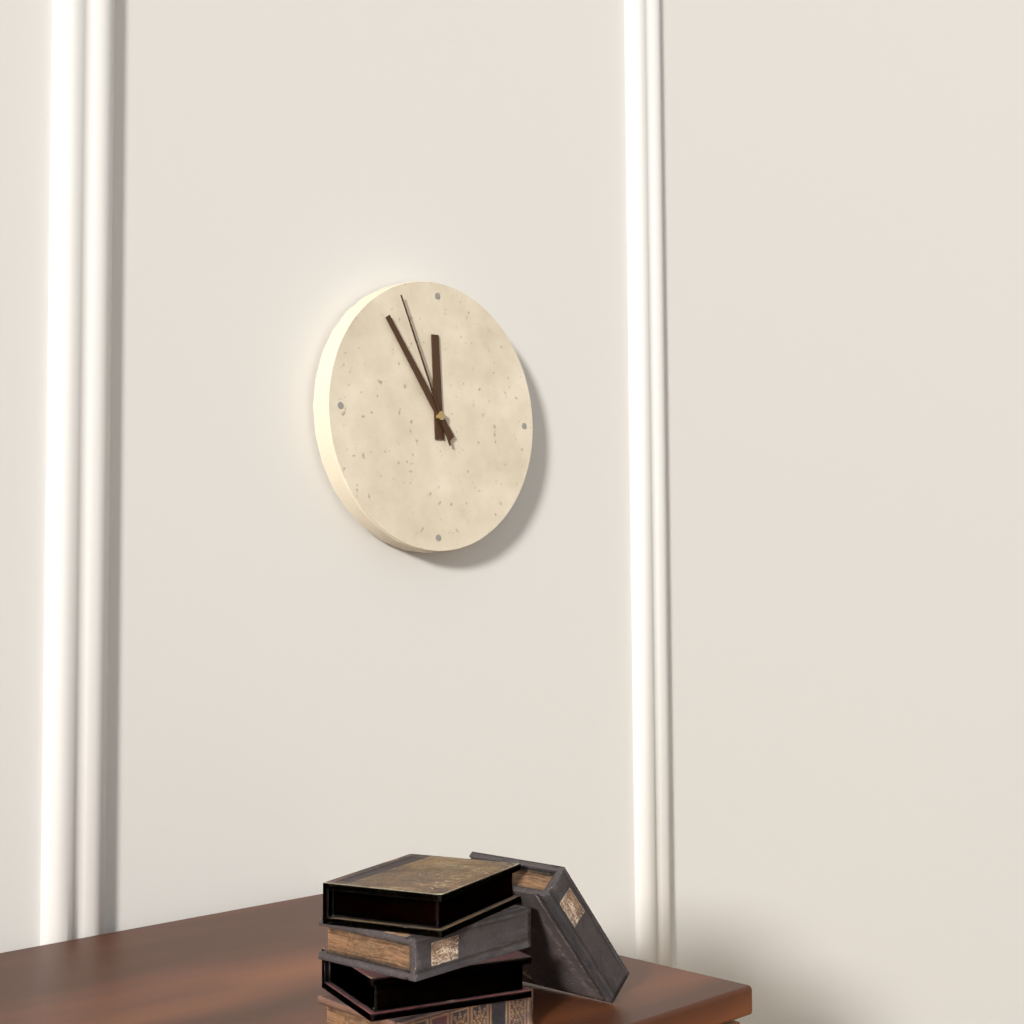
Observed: 11.54.56
